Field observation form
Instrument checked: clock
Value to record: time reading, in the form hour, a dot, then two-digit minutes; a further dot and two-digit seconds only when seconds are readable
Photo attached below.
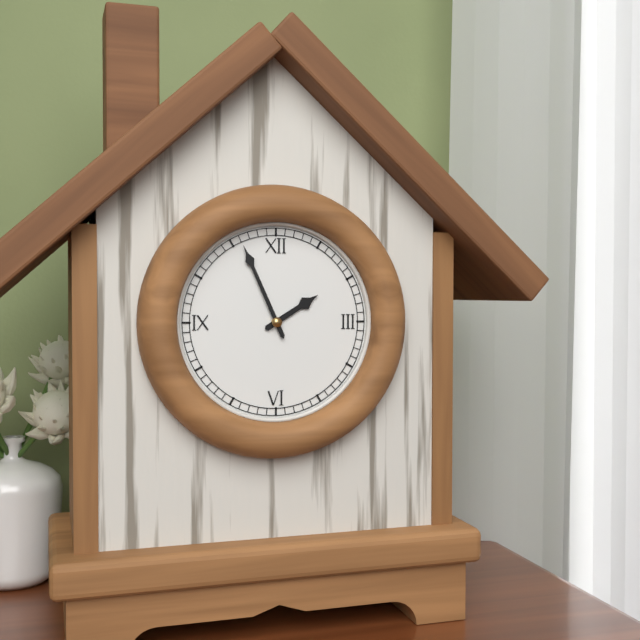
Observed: 1.56
